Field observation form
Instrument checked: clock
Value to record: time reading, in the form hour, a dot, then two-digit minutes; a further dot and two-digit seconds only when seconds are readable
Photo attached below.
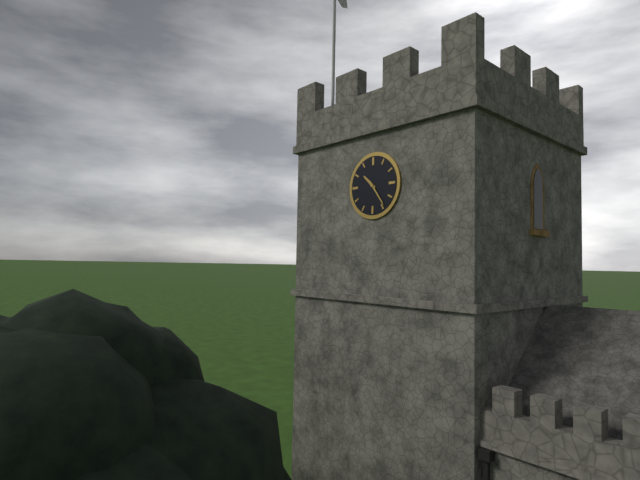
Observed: 10.24
